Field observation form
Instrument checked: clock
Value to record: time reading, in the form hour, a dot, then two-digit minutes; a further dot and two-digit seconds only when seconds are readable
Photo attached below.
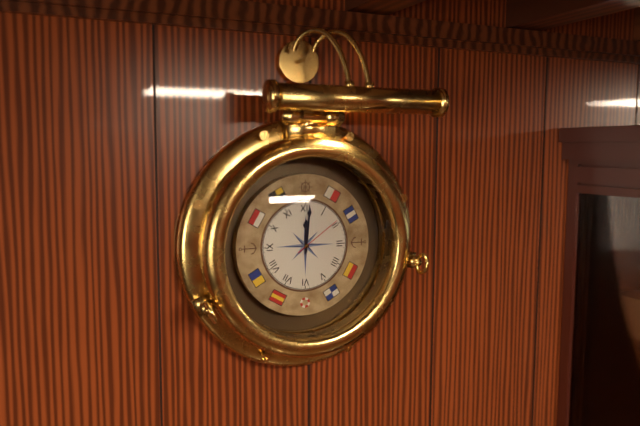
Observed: 12.01.09
